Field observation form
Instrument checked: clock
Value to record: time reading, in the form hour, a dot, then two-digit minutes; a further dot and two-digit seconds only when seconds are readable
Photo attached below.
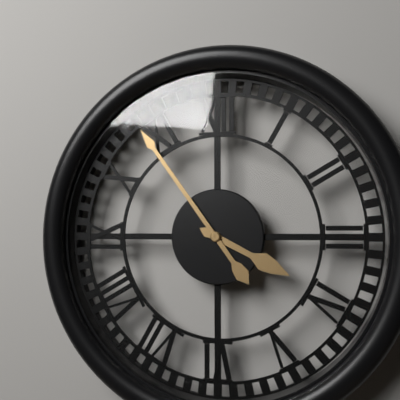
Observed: 3.54
